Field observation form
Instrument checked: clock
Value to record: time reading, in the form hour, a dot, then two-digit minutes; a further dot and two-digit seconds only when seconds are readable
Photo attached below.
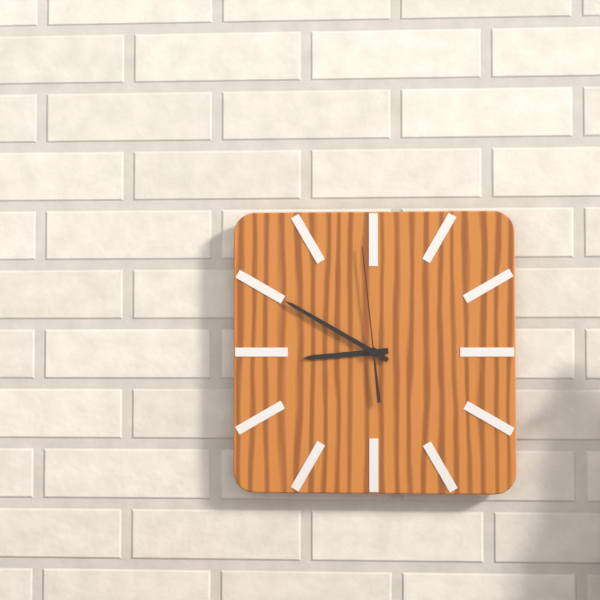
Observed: 8.50.59
